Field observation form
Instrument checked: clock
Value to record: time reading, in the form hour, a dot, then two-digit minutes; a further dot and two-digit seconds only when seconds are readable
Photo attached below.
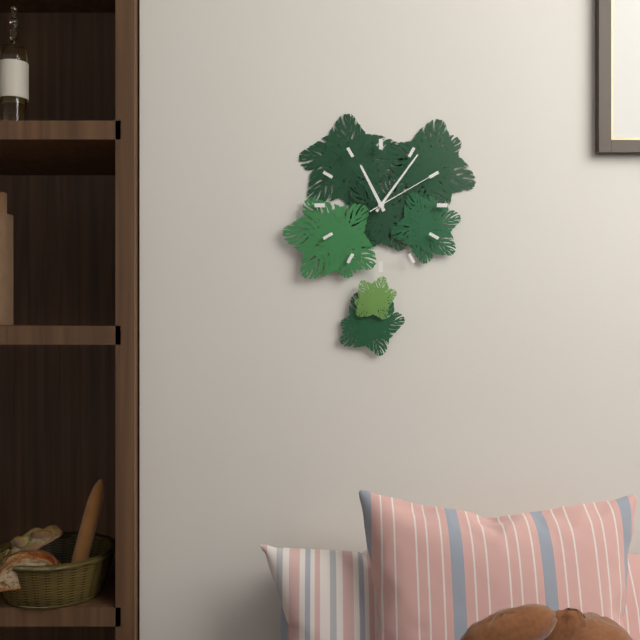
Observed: 11.06.10
